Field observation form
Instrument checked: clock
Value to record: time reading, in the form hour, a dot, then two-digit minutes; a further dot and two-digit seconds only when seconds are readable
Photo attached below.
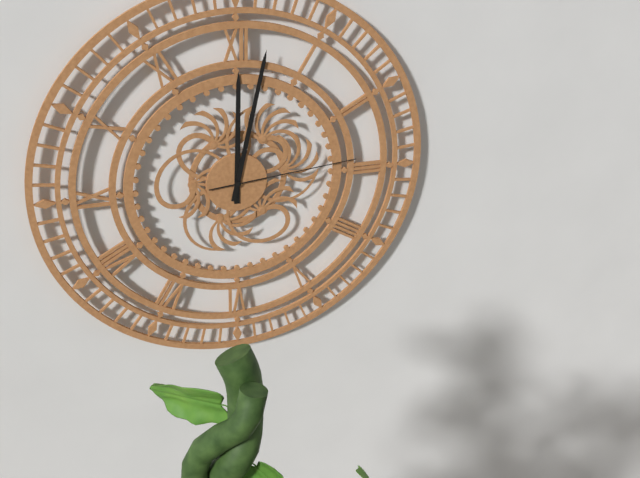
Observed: 12.02.14
